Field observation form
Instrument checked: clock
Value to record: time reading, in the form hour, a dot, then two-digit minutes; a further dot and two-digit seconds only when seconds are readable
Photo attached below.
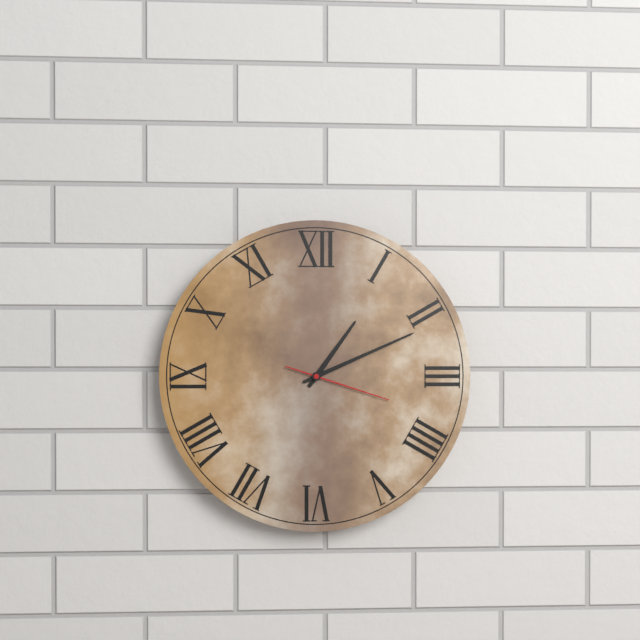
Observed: 1.11.18
